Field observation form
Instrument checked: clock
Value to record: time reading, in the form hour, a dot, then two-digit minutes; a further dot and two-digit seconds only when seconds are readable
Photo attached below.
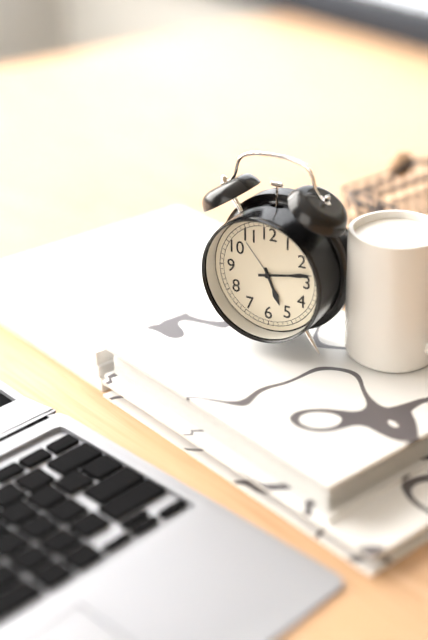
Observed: 5.13
